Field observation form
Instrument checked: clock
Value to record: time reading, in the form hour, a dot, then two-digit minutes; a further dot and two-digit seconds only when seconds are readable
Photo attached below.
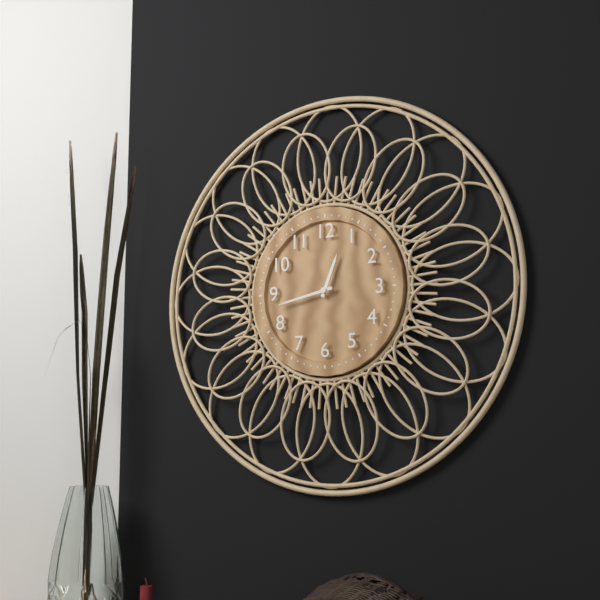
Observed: 12.43
